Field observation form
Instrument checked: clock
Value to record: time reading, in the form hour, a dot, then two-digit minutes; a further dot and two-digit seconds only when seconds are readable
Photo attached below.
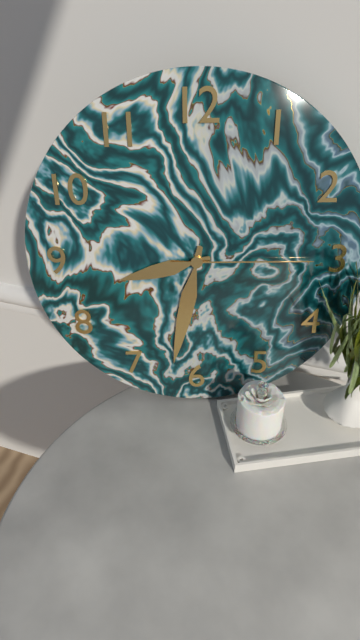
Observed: 8.32.15
